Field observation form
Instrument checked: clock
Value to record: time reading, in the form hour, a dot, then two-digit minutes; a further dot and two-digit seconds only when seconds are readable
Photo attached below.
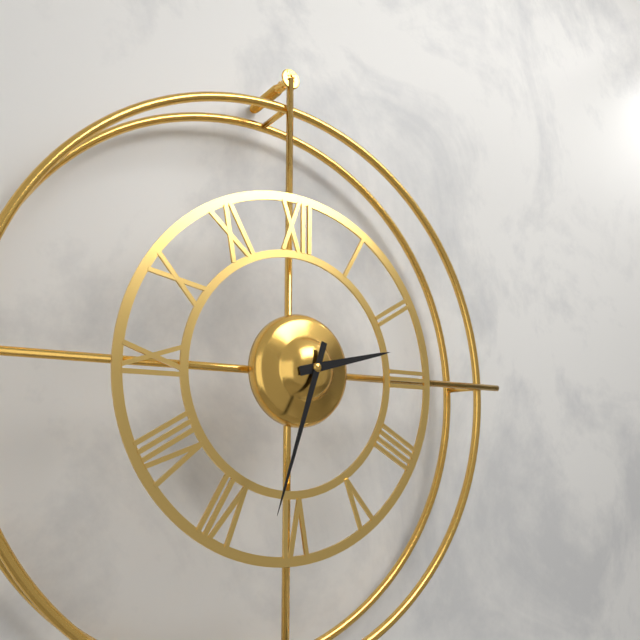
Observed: 2.33
